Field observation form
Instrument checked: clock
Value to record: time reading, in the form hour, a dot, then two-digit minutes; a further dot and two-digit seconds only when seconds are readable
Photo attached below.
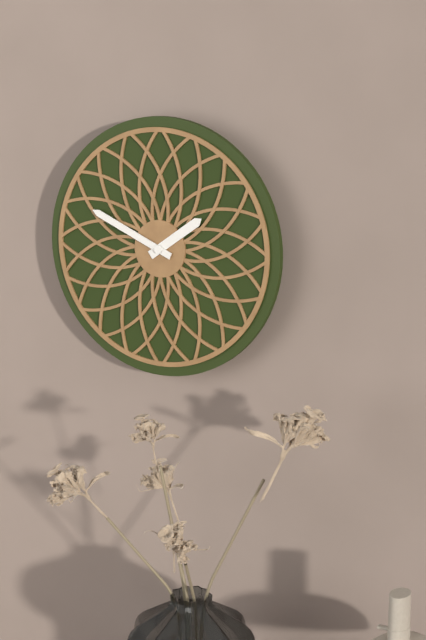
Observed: 1.49
